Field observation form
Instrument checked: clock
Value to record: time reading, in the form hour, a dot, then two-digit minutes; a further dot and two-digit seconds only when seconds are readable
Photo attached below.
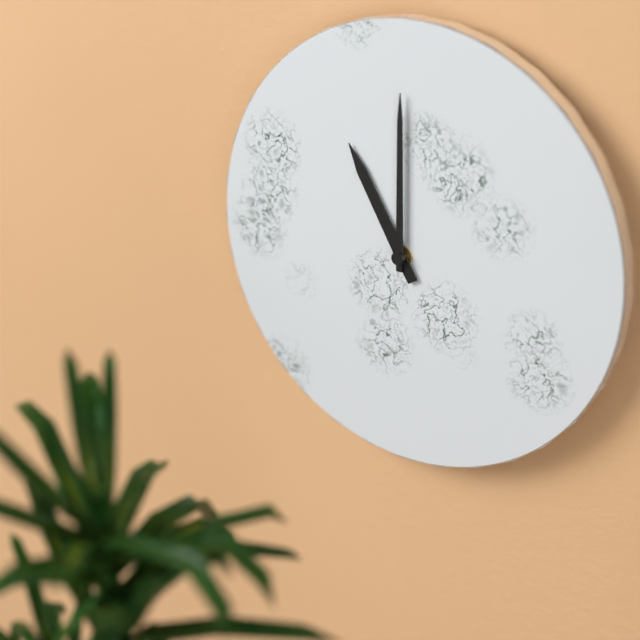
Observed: 11.00
